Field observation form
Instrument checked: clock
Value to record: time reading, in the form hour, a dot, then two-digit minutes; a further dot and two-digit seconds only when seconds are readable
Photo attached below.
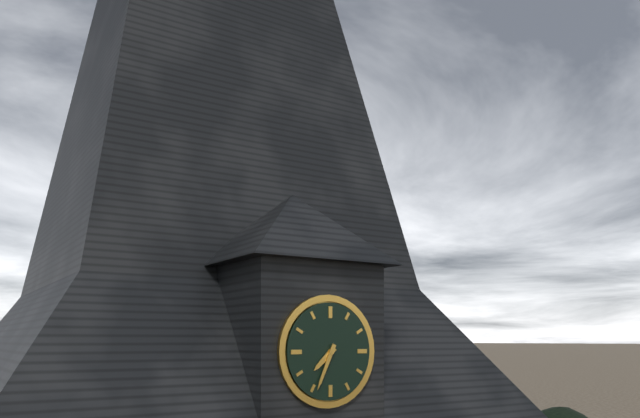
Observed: 7.34
